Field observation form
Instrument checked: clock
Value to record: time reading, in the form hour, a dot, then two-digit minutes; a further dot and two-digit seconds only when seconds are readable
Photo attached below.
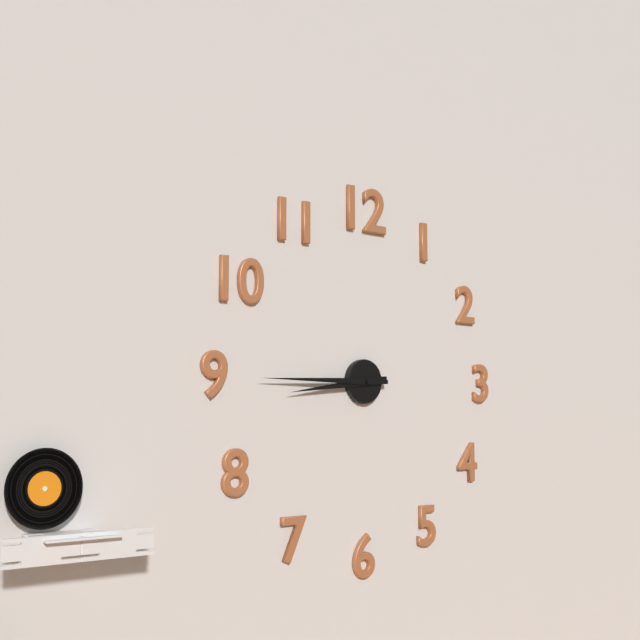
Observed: 8.45
